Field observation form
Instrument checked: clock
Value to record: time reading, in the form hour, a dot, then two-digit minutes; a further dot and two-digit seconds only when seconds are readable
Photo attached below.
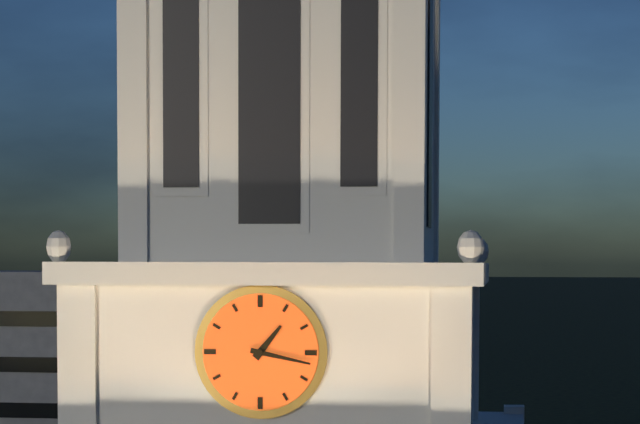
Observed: 1.17
